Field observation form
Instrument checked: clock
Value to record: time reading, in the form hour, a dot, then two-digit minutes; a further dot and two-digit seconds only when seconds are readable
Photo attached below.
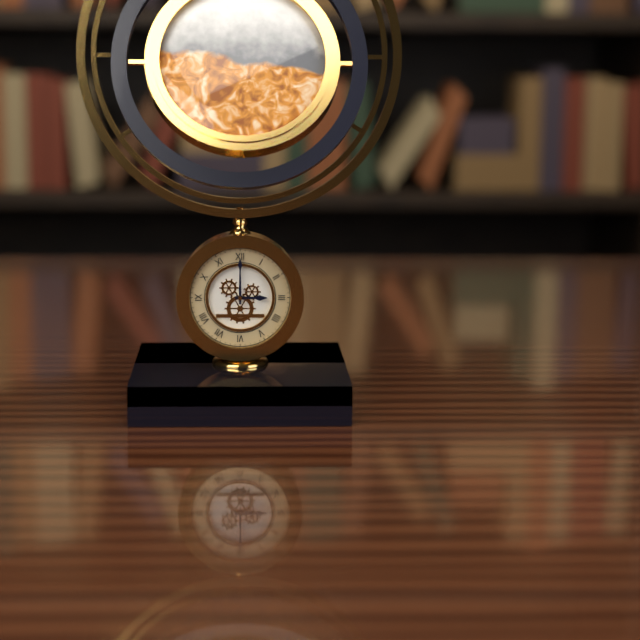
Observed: 3.00
